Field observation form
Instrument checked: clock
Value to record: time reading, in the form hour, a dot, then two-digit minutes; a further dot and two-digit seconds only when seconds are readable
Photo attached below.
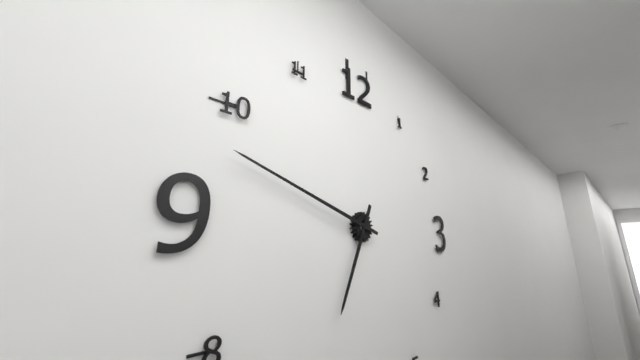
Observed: 6.48
